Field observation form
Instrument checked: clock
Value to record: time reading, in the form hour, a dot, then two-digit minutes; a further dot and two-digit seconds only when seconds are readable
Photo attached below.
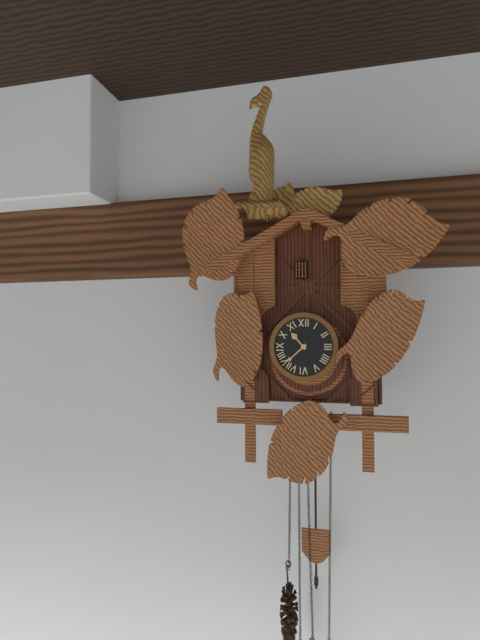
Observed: 10.38
